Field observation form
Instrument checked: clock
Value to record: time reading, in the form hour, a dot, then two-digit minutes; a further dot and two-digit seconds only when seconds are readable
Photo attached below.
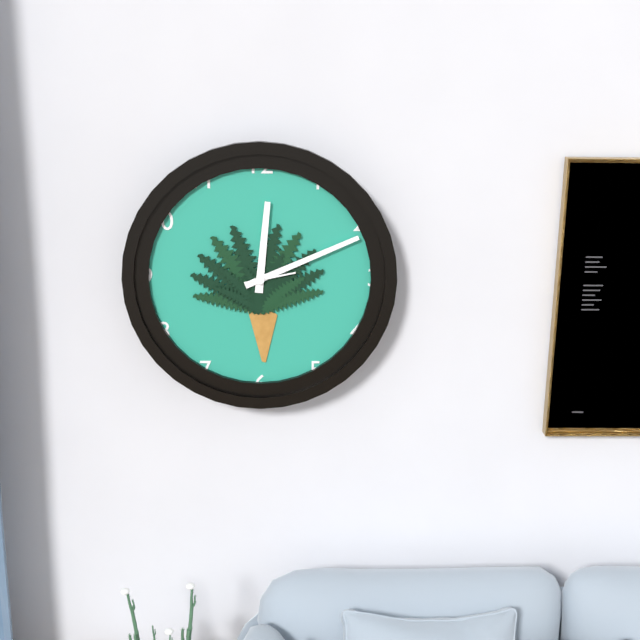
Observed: 12.11
